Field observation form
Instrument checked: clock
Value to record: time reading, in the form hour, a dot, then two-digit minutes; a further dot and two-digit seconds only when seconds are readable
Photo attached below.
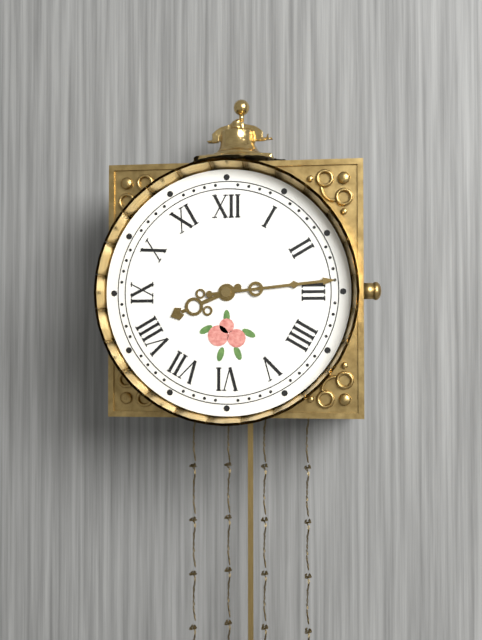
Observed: 8.14
